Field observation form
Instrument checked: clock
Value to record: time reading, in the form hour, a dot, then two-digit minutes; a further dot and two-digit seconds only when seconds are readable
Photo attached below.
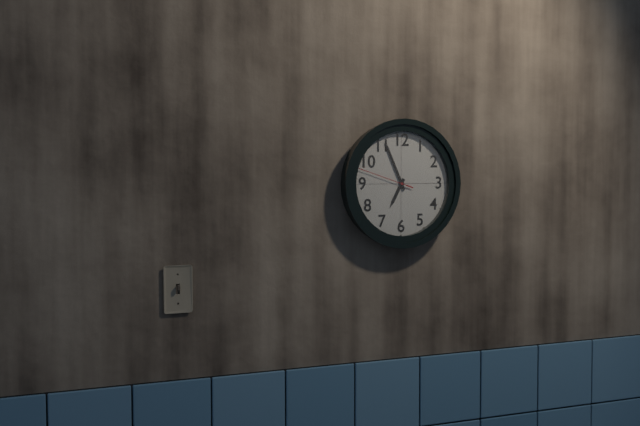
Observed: 6.56.48
